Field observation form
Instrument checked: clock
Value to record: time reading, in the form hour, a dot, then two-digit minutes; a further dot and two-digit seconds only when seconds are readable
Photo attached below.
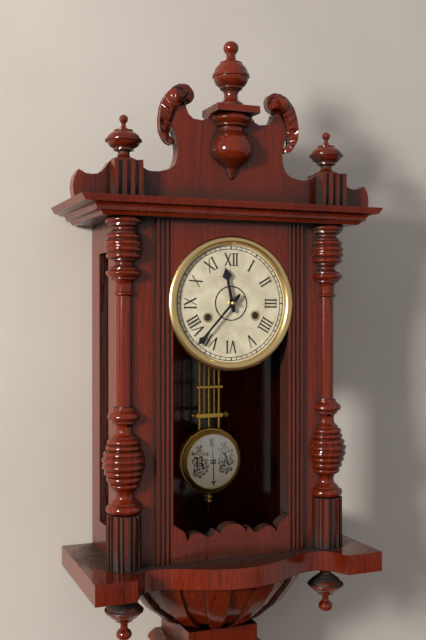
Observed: 11.37
